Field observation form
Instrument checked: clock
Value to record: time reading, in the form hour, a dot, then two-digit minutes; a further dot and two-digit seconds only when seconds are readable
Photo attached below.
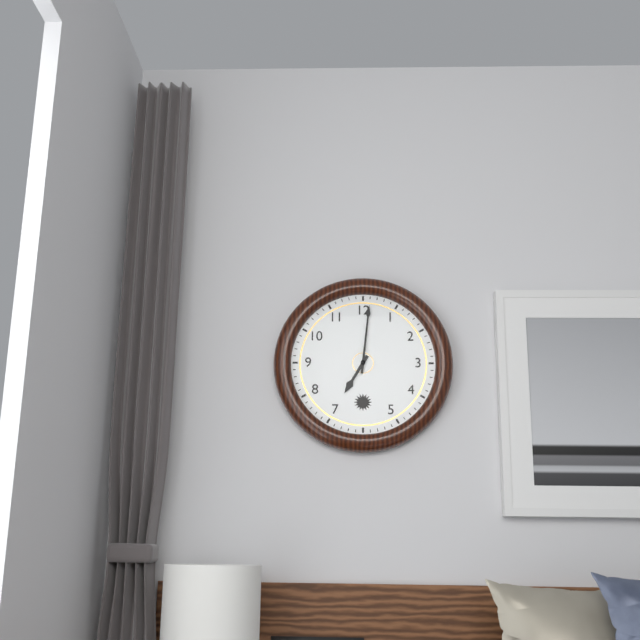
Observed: 7.01
